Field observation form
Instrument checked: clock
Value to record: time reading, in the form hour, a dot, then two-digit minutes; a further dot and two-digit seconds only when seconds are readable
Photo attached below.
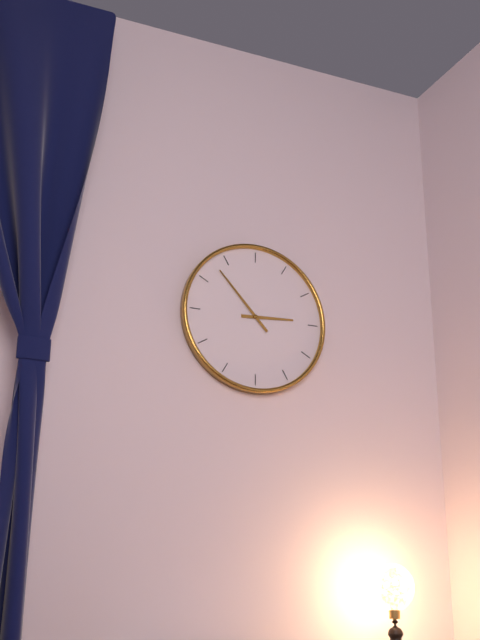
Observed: 2.53
